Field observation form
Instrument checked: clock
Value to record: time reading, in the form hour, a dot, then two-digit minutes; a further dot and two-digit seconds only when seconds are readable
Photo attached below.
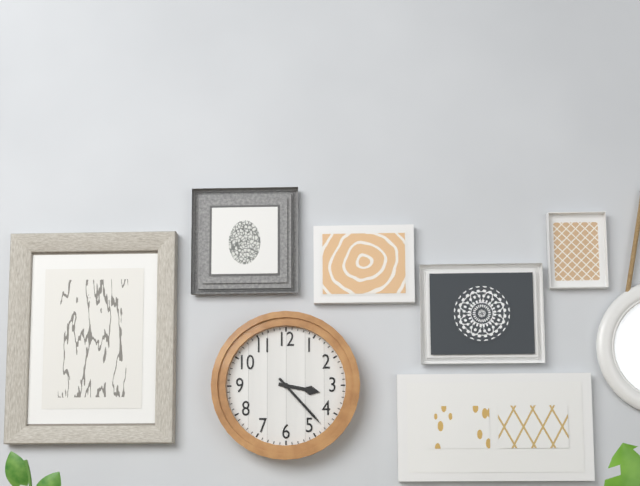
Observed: 3.23
